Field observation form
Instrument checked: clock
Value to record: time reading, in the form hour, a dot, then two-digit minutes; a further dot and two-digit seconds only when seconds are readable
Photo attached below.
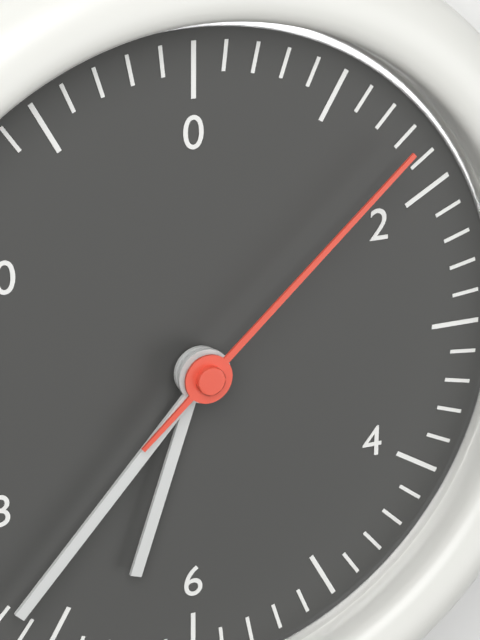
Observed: 6.37.08
